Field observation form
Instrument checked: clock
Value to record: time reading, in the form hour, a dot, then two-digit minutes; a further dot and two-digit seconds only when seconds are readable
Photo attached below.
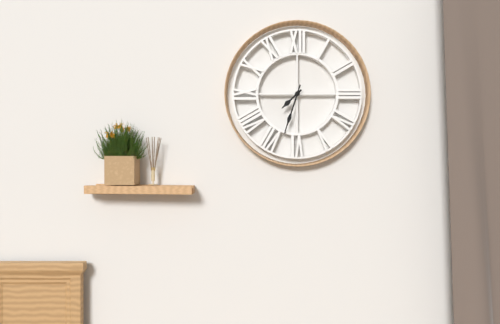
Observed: 7.33
